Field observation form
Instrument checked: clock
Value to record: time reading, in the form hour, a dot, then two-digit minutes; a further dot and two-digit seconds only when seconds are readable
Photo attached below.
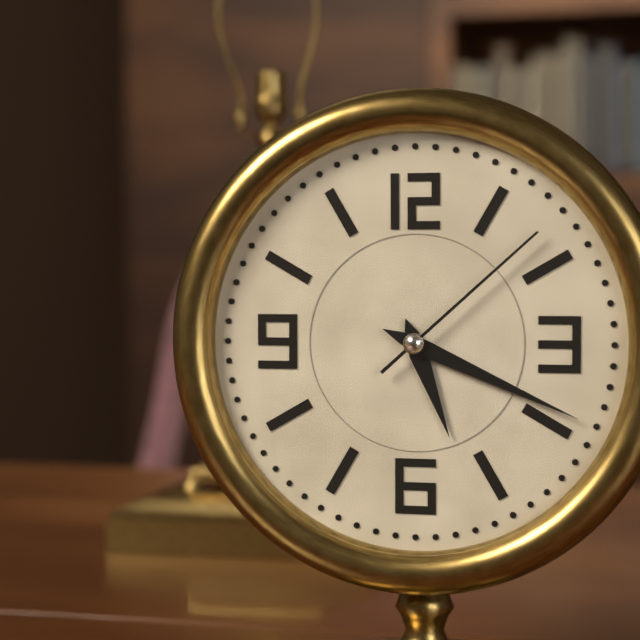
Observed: 5.19.08
